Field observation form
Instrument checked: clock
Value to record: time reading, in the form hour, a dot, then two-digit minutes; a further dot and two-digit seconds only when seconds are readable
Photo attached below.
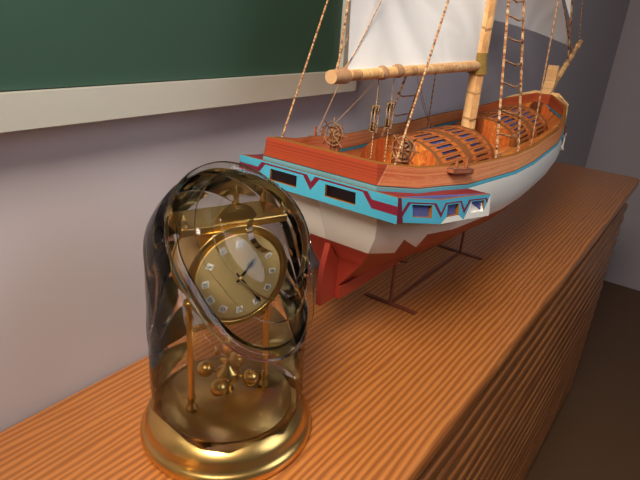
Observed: 1.24
